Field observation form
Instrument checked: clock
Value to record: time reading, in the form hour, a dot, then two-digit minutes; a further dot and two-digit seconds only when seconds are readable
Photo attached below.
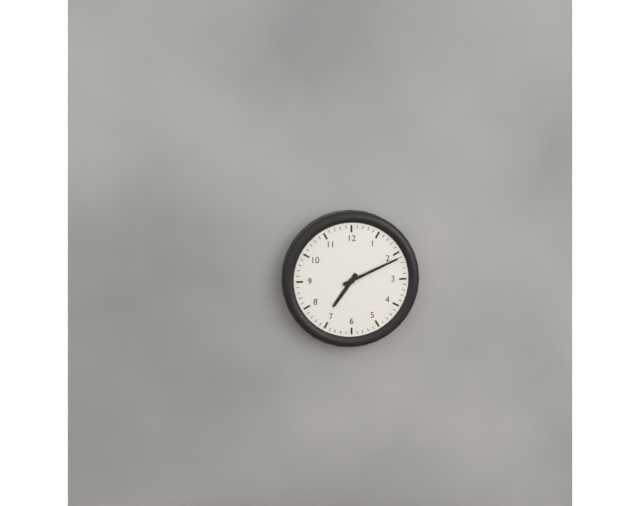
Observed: 7.11
